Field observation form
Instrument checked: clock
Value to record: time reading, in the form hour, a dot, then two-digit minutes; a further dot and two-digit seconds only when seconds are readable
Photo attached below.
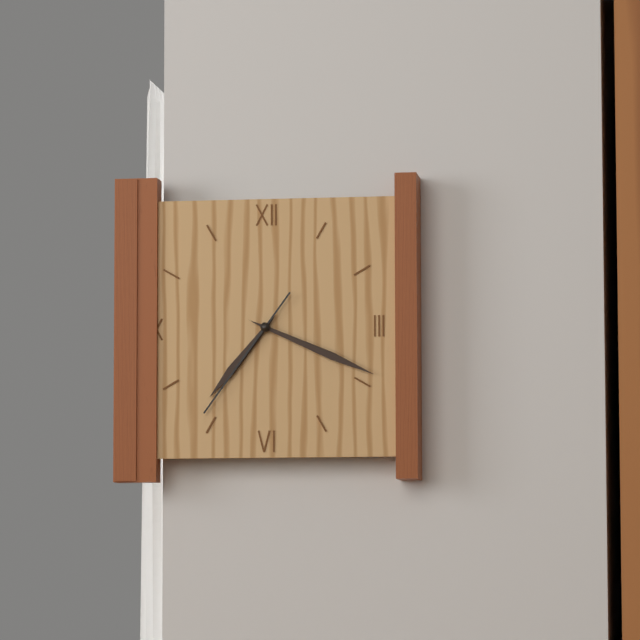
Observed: 7.19.36
